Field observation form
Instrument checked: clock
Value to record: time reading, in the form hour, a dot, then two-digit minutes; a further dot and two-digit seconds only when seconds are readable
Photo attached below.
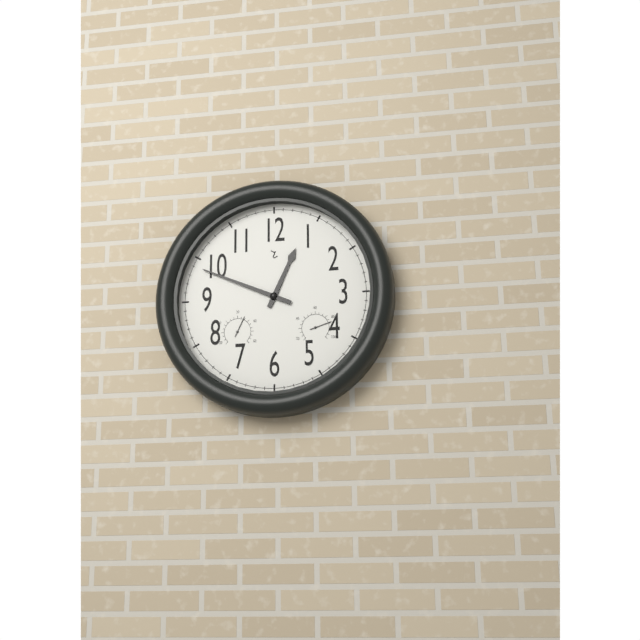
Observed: 12.49
